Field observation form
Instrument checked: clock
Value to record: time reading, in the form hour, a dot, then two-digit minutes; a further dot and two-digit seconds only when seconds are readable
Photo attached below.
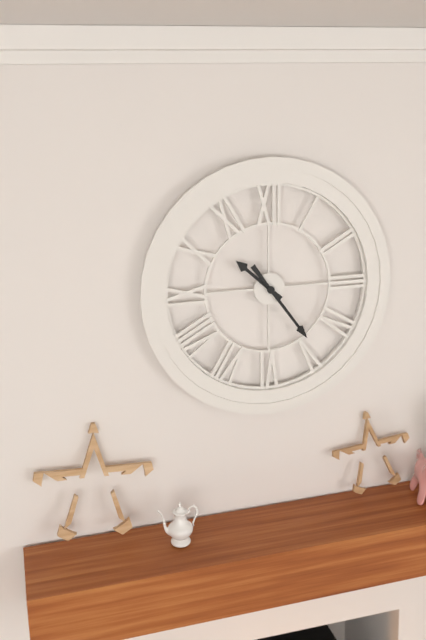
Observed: 10.24
